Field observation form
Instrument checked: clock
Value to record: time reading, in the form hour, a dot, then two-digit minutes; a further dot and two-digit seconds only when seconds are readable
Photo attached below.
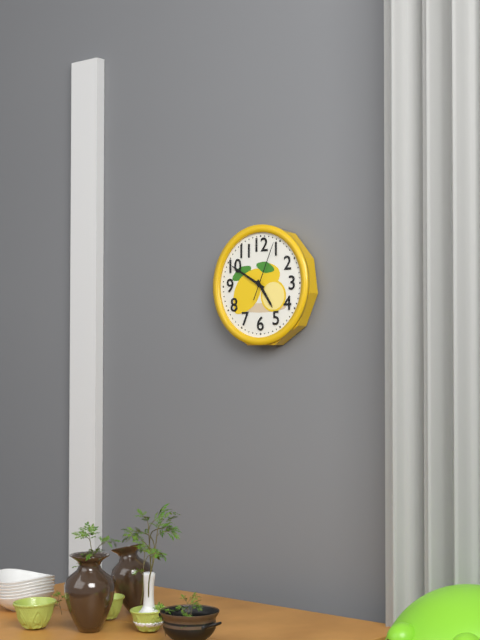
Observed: 4.50.04
